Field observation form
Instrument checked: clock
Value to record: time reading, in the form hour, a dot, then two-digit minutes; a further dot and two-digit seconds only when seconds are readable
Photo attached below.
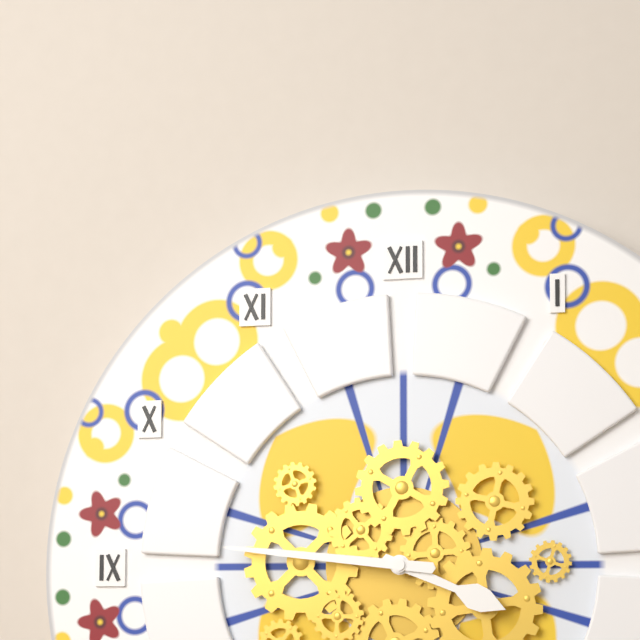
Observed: 3.46
